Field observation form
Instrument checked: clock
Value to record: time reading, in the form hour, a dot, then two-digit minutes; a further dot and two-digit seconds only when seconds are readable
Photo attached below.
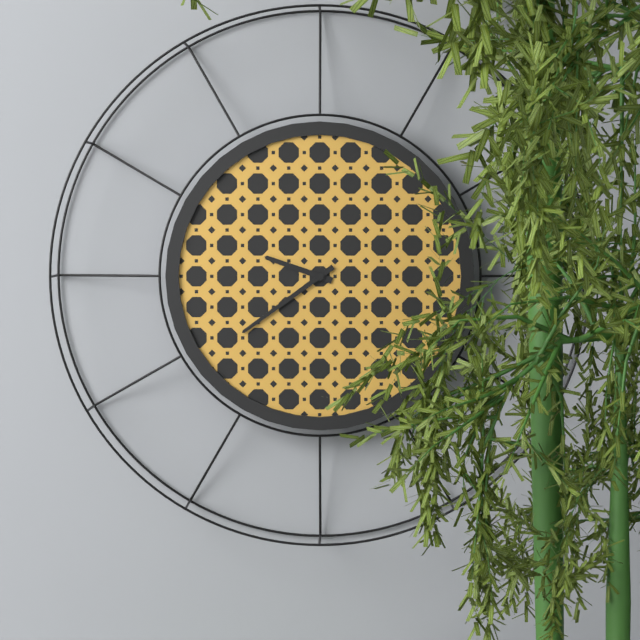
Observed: 9.39
